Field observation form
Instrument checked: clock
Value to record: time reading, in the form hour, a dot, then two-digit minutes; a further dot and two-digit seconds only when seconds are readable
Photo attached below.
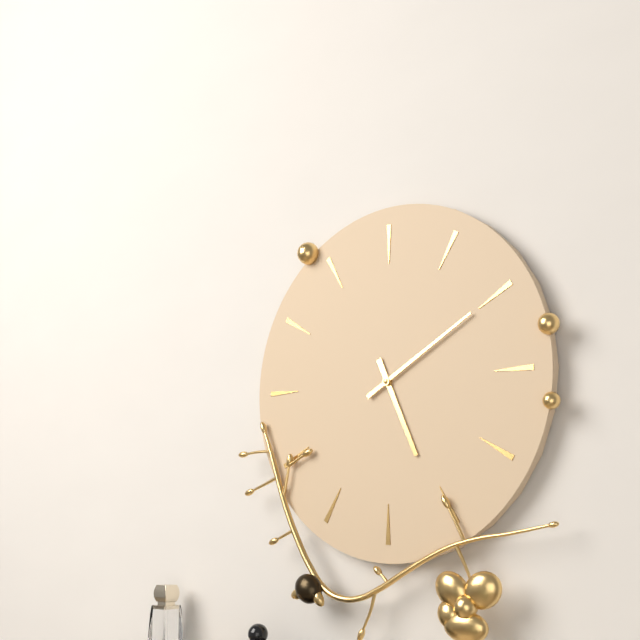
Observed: 5.10
